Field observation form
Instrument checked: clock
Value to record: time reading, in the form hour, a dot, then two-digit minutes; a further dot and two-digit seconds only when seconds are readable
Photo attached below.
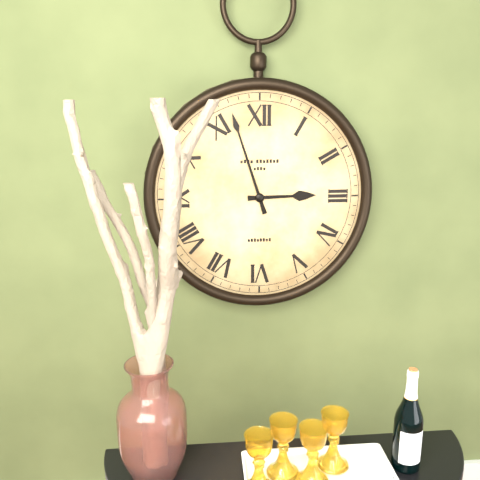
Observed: 2.57
